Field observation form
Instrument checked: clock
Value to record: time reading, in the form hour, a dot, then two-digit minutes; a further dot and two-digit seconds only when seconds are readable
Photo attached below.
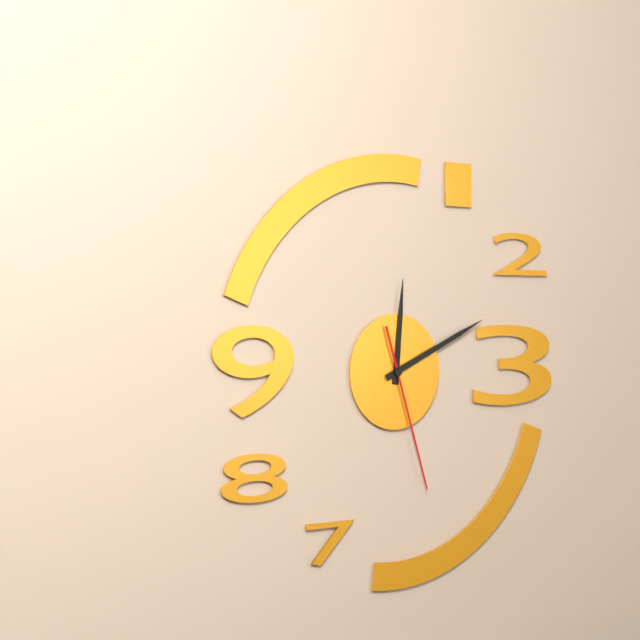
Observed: 12.11.27
